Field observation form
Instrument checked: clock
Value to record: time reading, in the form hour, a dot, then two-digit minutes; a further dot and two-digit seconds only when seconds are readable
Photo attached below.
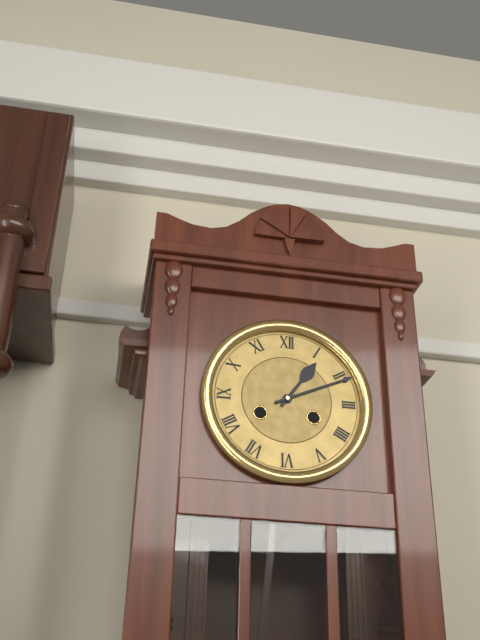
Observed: 1.11
